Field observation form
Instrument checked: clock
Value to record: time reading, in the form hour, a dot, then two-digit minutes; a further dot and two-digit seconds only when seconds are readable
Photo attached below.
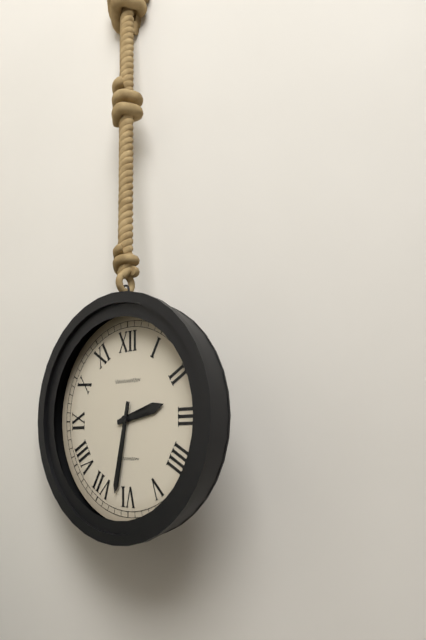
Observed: 2.32
